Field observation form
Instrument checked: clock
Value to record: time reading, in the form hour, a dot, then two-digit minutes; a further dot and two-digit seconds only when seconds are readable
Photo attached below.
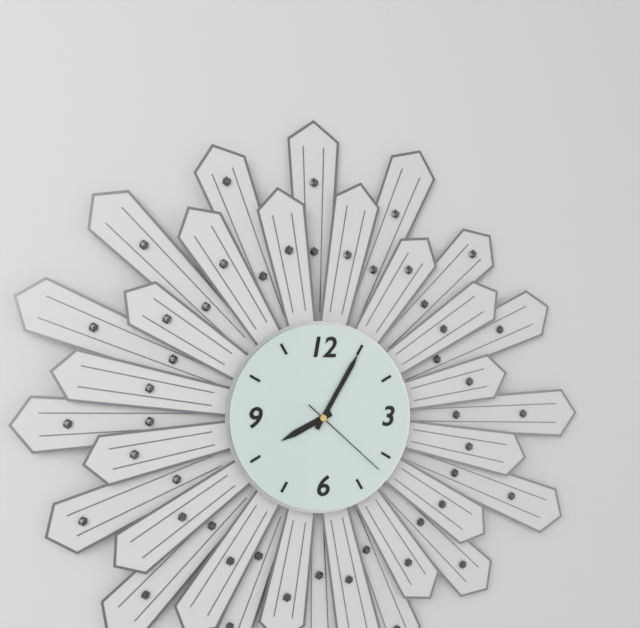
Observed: 8.05.22
